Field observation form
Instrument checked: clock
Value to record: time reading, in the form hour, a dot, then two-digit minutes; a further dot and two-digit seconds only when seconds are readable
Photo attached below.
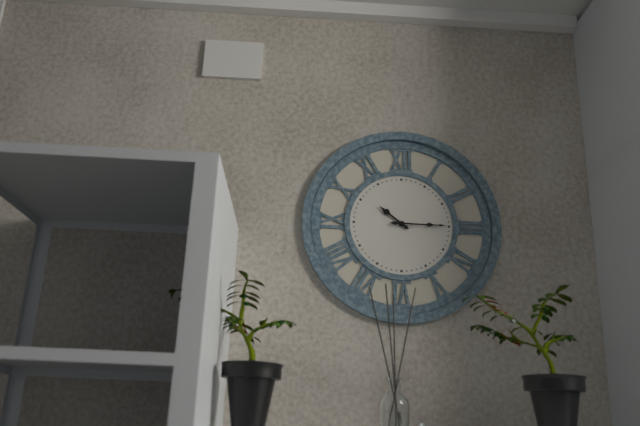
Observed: 10.15
